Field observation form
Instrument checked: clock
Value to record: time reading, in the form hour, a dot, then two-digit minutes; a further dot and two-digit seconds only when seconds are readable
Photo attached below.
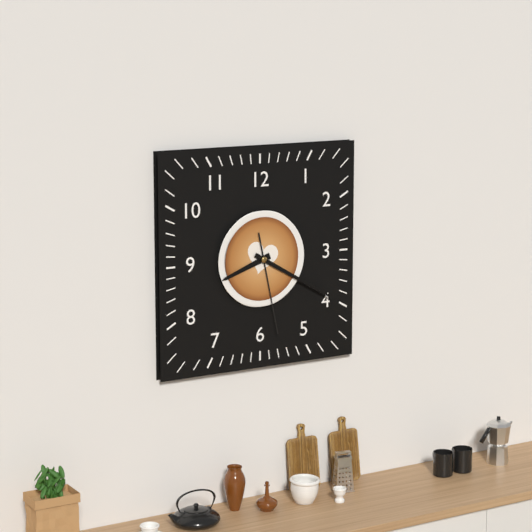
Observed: 8.20.28
